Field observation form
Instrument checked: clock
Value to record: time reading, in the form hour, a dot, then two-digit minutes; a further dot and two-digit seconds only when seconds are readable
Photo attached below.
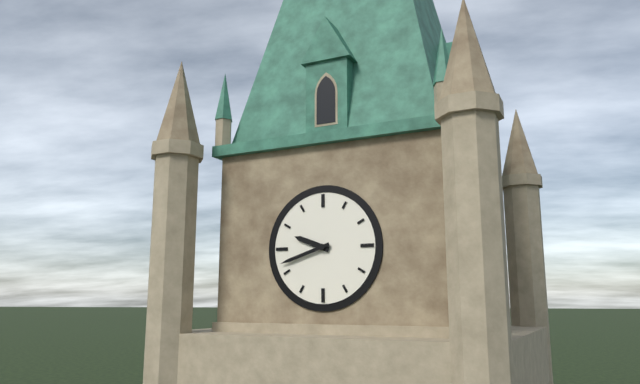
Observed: 9.42
